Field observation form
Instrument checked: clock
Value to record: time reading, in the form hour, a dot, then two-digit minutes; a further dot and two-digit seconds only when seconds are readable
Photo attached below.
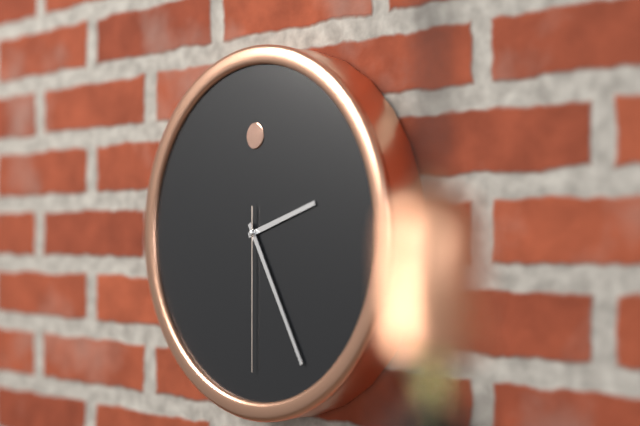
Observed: 2.25.30
